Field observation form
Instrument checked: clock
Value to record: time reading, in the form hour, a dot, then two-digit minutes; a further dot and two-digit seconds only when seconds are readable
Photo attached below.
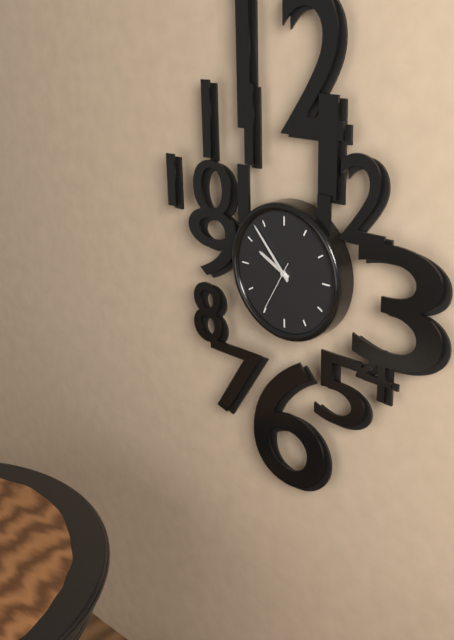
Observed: 9.53.35
